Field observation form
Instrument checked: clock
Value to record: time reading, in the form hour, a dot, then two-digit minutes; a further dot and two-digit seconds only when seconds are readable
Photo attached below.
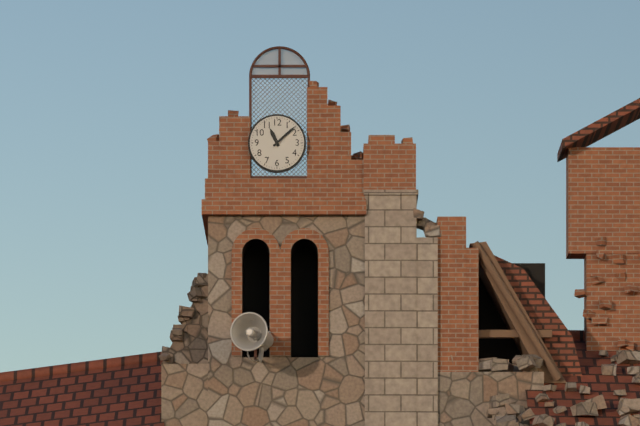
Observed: 11.08
